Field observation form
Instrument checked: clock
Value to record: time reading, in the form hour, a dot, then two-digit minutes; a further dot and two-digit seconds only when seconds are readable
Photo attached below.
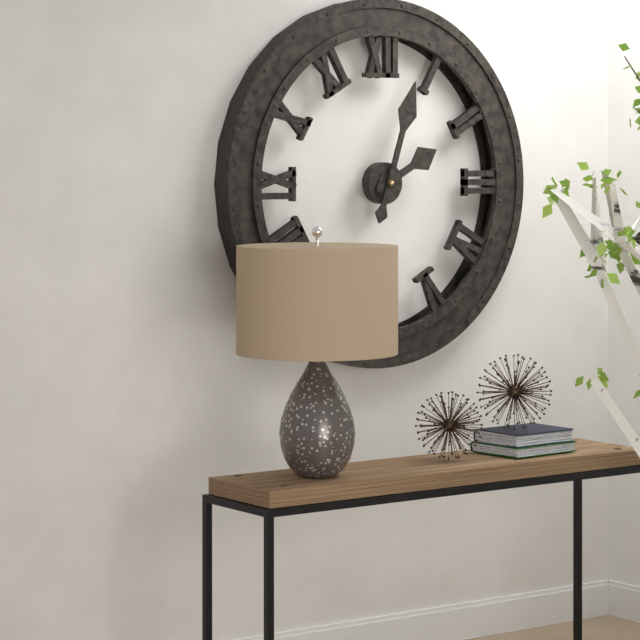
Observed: 2.03
